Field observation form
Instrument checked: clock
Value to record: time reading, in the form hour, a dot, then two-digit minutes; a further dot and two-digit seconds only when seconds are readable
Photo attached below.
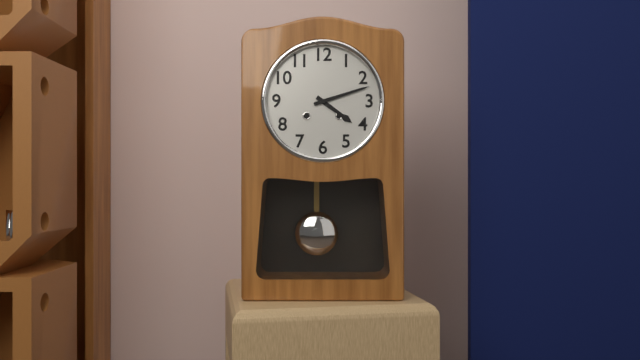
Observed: 4.12
